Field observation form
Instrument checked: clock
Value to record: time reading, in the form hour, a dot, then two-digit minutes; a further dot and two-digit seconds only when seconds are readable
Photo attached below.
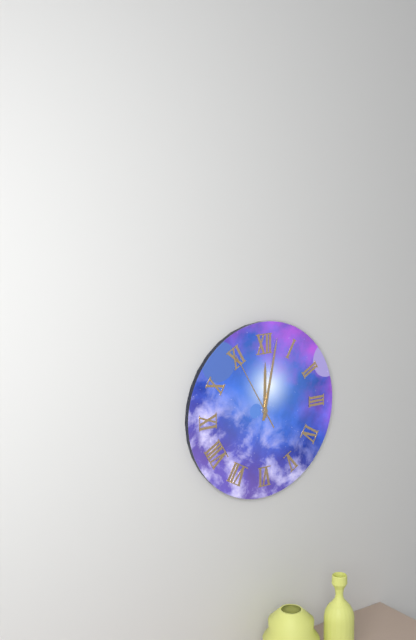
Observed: 12.02.55
